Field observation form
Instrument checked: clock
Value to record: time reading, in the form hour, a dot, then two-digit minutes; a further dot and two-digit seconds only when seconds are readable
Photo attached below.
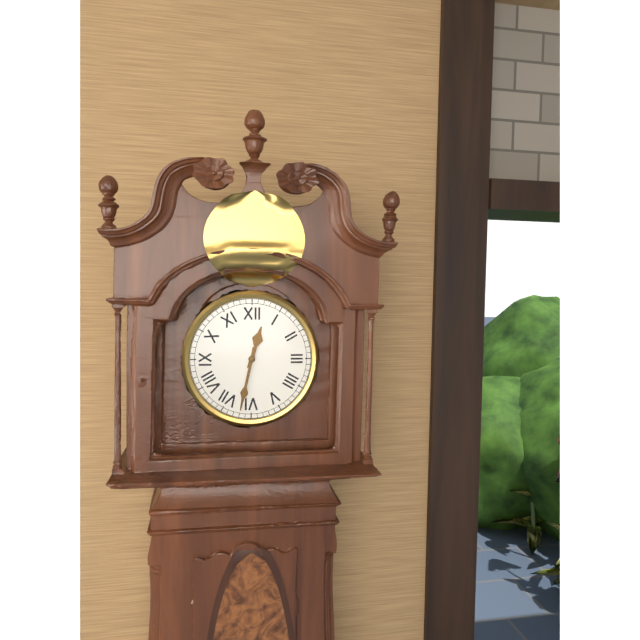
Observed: 12.32
